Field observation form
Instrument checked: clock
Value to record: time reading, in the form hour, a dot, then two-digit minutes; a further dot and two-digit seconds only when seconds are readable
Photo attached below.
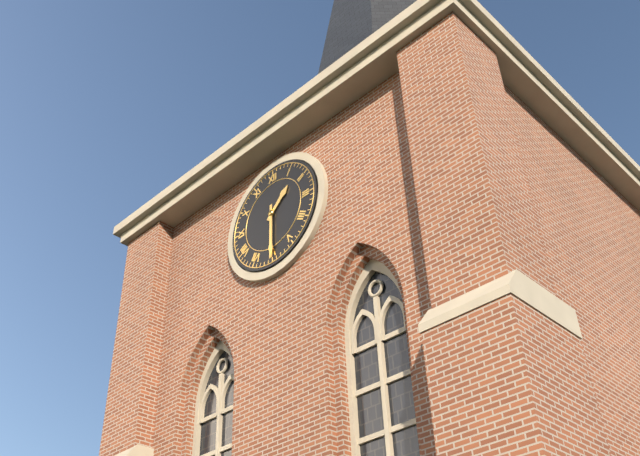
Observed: 1.30
